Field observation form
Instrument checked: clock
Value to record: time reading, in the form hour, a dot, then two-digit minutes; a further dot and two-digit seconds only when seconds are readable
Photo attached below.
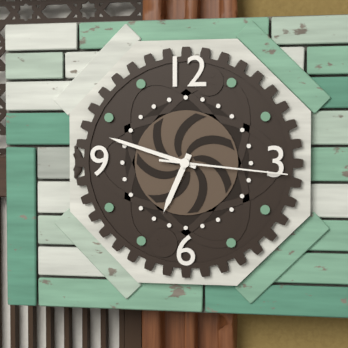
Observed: 6.48.16
